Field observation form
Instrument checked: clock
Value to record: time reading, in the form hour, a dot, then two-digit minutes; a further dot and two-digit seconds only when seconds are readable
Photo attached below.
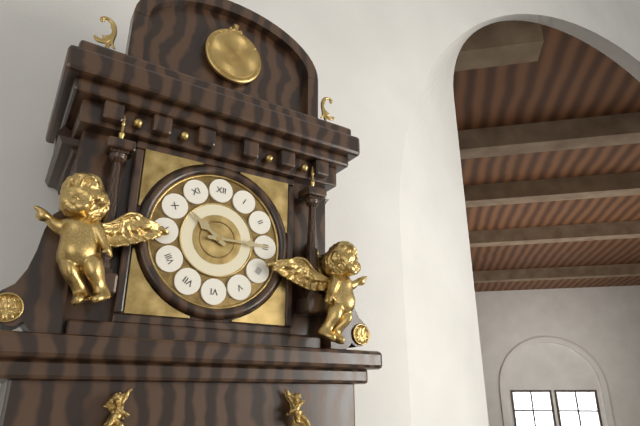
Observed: 10.15
